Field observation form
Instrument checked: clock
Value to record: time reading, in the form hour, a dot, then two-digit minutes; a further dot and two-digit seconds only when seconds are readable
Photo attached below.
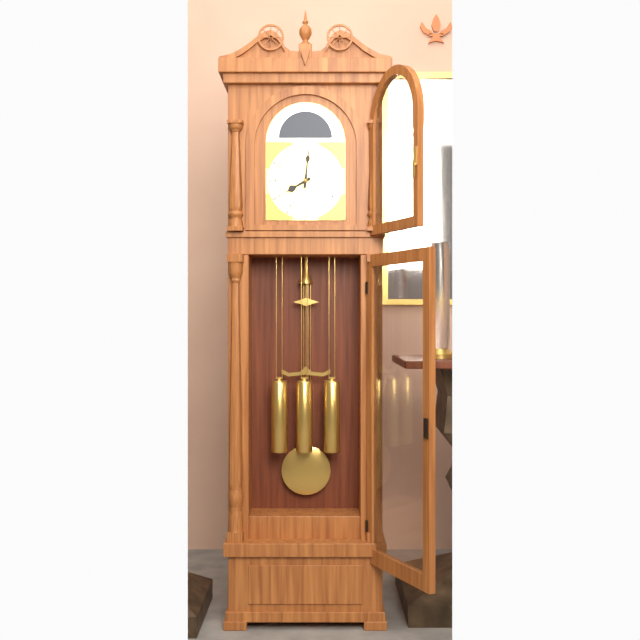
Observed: 8.01
